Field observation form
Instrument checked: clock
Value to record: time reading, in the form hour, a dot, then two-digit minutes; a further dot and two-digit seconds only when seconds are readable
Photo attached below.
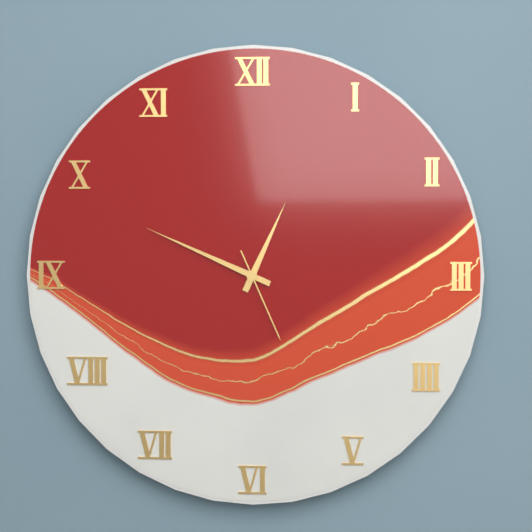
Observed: 12.49.26
